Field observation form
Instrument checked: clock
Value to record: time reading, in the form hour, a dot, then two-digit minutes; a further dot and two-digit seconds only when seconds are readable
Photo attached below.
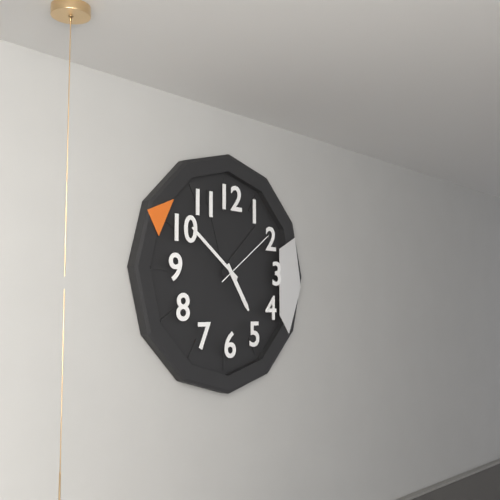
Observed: 4.51.09
